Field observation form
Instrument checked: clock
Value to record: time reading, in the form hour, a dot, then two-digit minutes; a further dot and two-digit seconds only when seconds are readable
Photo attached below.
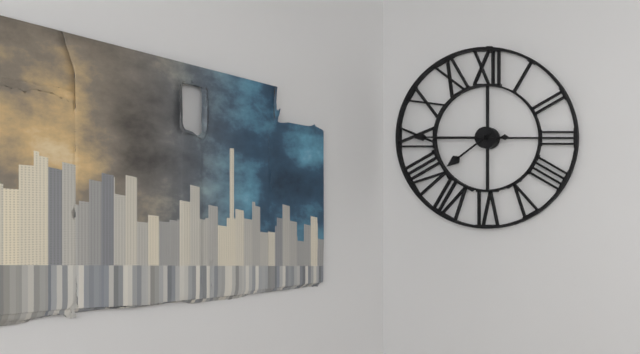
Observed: 7.45
